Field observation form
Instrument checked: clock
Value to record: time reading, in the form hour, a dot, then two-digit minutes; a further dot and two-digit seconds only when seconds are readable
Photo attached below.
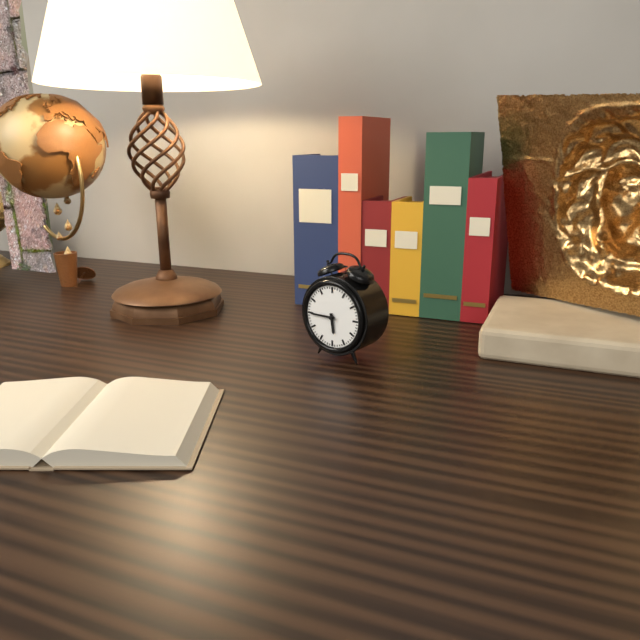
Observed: 5.45
